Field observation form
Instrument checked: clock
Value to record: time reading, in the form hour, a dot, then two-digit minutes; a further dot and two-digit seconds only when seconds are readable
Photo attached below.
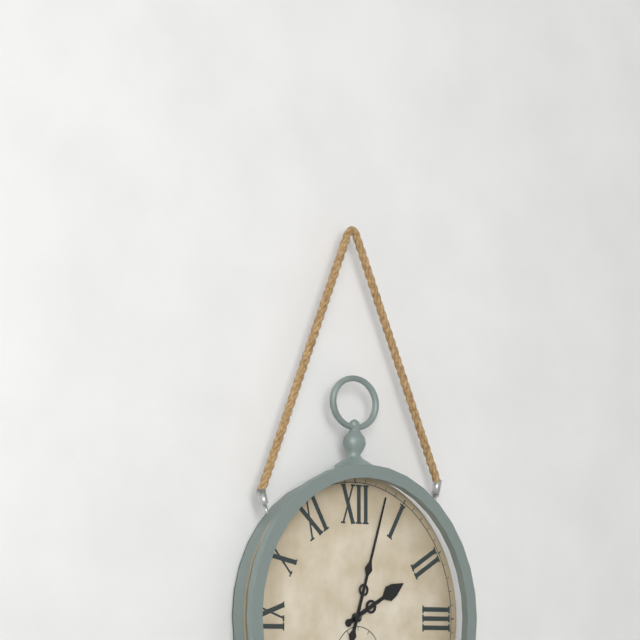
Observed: 2.03
